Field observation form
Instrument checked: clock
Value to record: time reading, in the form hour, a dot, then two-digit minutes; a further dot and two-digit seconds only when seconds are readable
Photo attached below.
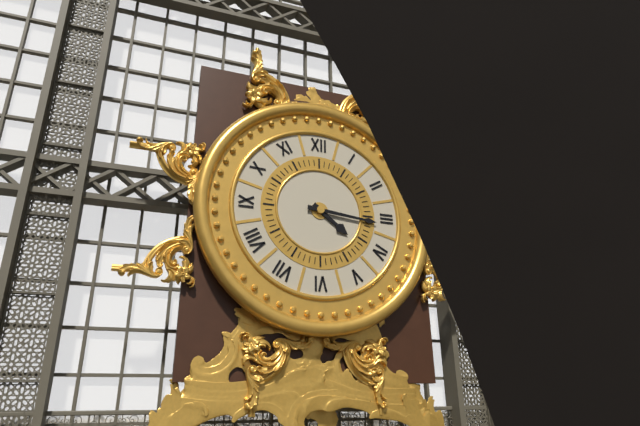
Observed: 4.16
